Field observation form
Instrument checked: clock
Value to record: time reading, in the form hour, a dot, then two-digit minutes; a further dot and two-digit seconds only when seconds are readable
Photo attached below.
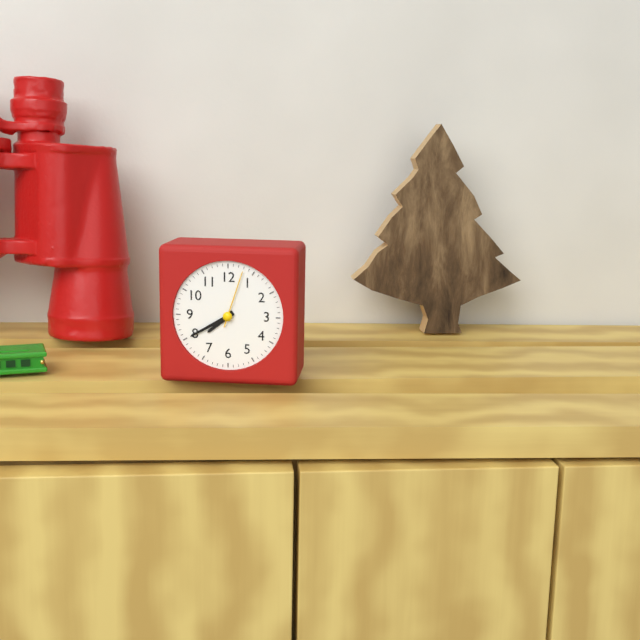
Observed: 7.40.03
